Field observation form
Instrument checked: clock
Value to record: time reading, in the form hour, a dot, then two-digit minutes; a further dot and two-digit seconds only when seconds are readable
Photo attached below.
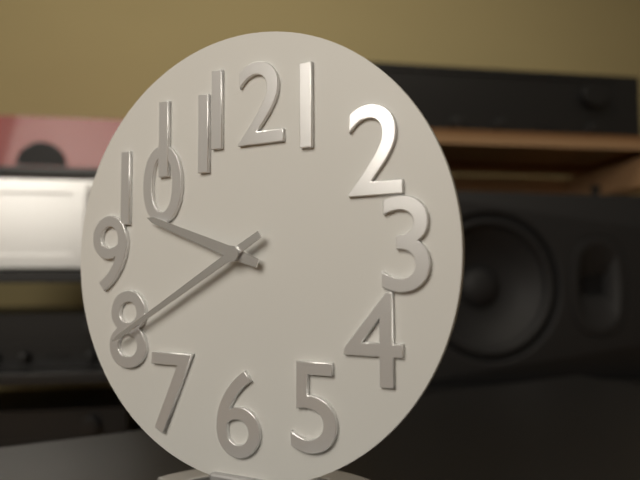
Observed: 9.40
